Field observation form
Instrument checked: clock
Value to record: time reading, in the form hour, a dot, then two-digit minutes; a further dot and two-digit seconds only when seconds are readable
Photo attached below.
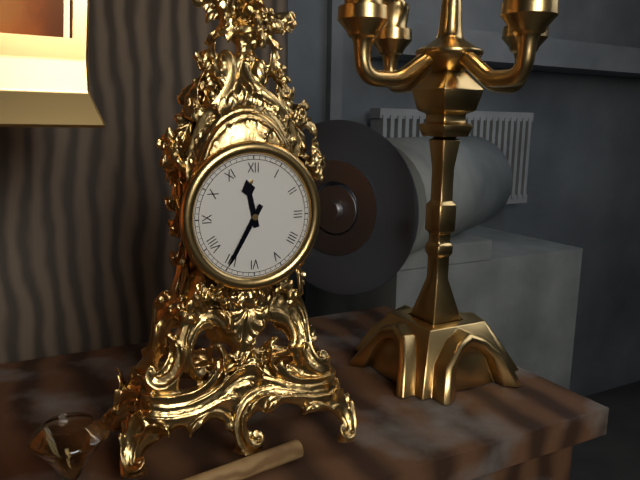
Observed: 11.35
